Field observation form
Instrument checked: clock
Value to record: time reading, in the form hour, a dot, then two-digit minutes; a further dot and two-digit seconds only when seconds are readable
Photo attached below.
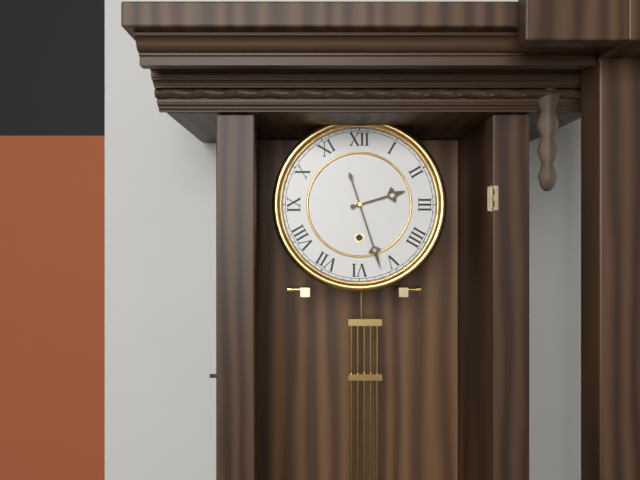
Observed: 2.27
